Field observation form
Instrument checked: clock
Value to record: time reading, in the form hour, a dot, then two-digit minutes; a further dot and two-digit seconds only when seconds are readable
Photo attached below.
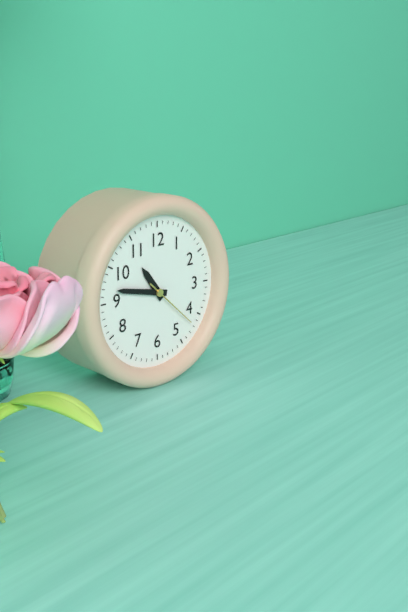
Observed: 10.47.22
